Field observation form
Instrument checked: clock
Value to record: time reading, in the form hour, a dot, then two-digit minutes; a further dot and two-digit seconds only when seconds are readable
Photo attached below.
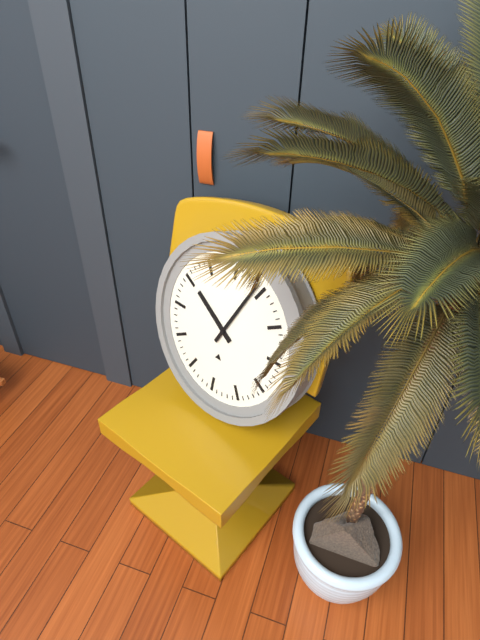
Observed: 10.04
